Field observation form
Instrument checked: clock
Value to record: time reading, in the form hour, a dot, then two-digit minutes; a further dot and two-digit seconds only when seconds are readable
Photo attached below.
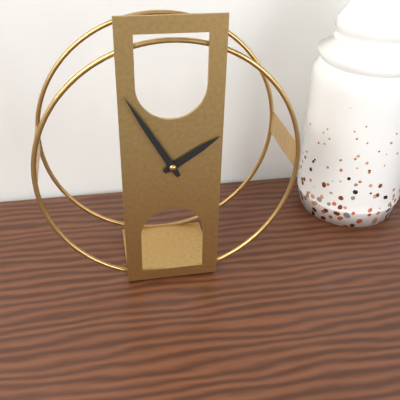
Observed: 1.55
